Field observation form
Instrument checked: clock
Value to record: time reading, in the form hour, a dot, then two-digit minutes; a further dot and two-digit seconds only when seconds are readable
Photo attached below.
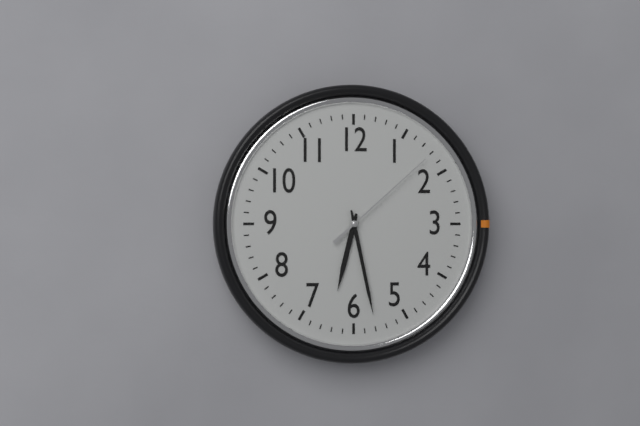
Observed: 6.28.08
